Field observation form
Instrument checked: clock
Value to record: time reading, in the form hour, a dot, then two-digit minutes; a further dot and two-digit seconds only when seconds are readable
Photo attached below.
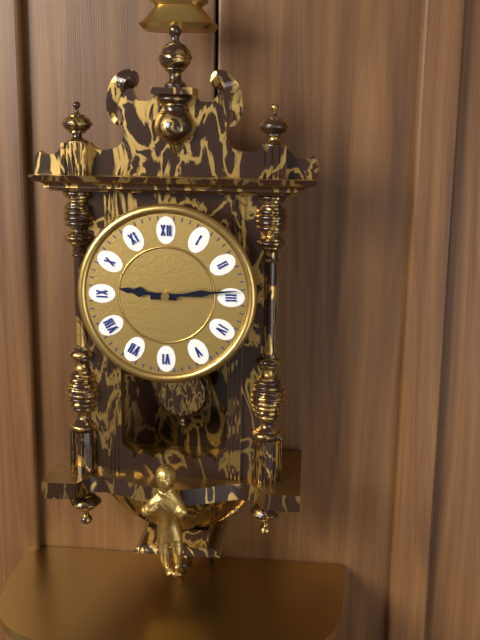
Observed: 9.14
